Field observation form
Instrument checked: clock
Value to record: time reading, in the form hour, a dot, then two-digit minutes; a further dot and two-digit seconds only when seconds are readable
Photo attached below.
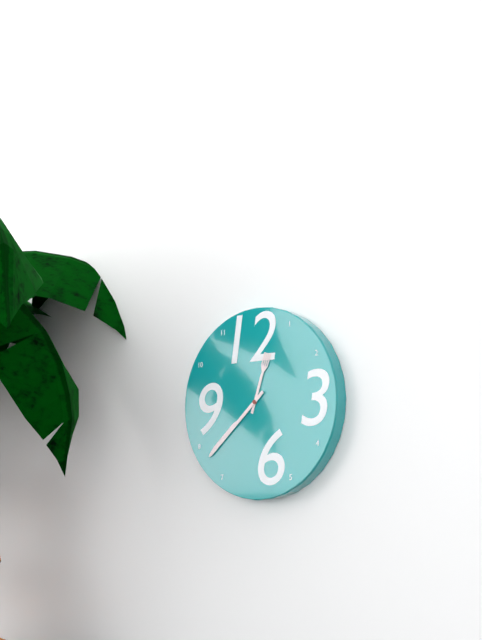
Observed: 12.38
